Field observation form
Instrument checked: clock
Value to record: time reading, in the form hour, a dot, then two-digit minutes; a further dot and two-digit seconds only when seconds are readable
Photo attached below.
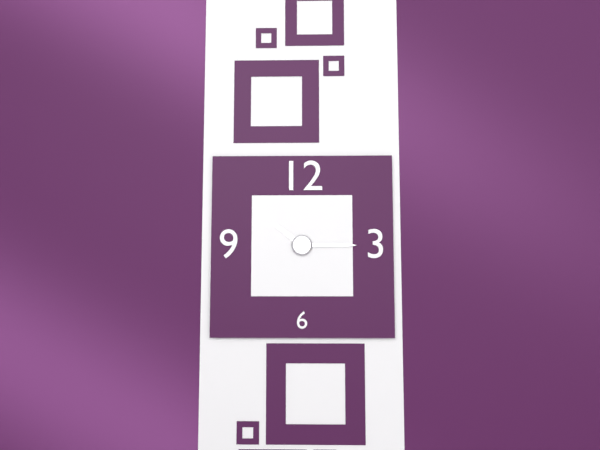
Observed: 10.15
